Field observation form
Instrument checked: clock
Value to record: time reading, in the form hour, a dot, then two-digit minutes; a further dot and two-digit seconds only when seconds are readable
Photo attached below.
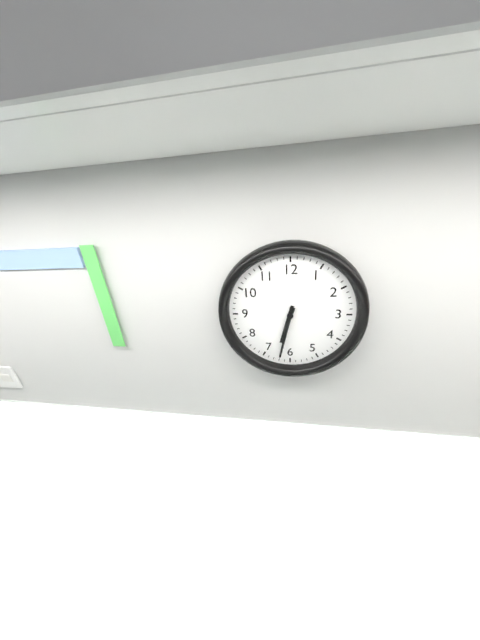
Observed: 6.32
